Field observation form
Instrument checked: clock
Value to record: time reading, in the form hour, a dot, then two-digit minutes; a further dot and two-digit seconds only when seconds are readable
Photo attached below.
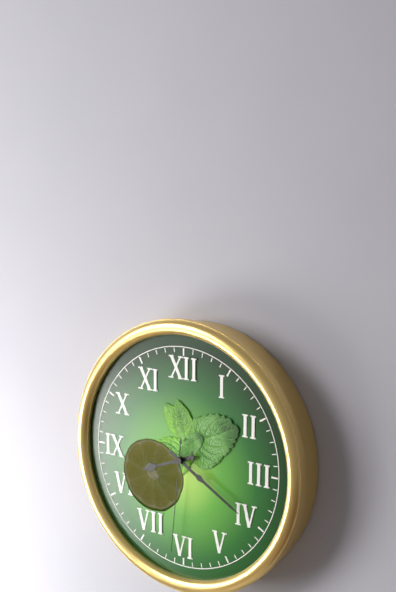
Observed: 8.20.31
